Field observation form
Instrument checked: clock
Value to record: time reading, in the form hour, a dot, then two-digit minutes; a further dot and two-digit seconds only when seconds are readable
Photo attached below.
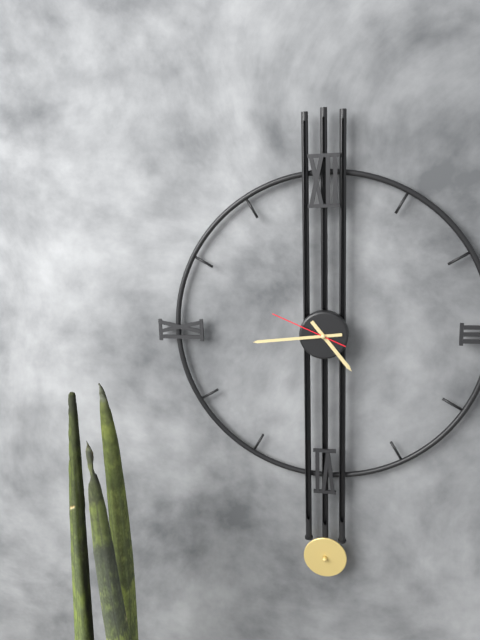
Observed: 4.44.49
